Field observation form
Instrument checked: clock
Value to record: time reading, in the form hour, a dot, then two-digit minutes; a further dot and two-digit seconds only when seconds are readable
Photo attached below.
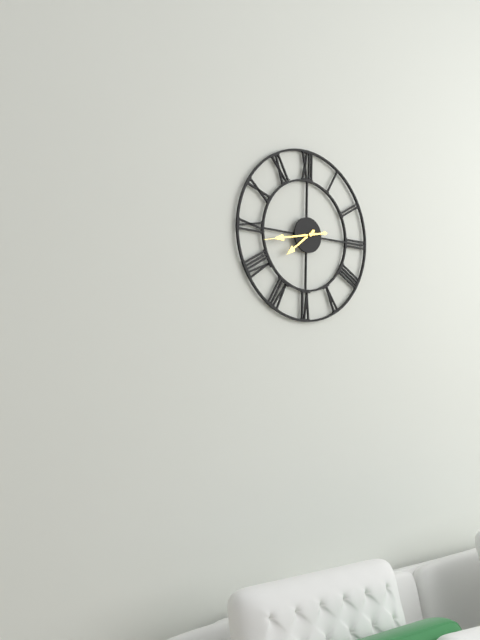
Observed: 7.43
